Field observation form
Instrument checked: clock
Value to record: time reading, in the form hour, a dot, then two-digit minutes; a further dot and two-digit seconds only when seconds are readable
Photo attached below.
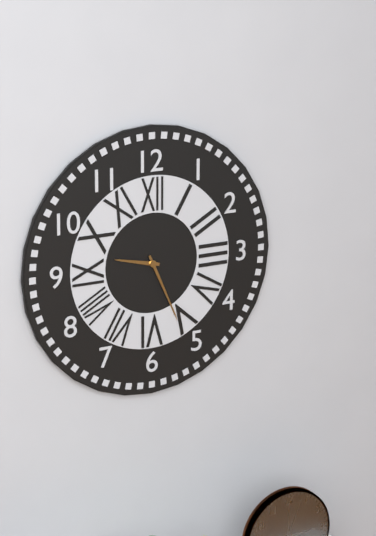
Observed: 9.26
